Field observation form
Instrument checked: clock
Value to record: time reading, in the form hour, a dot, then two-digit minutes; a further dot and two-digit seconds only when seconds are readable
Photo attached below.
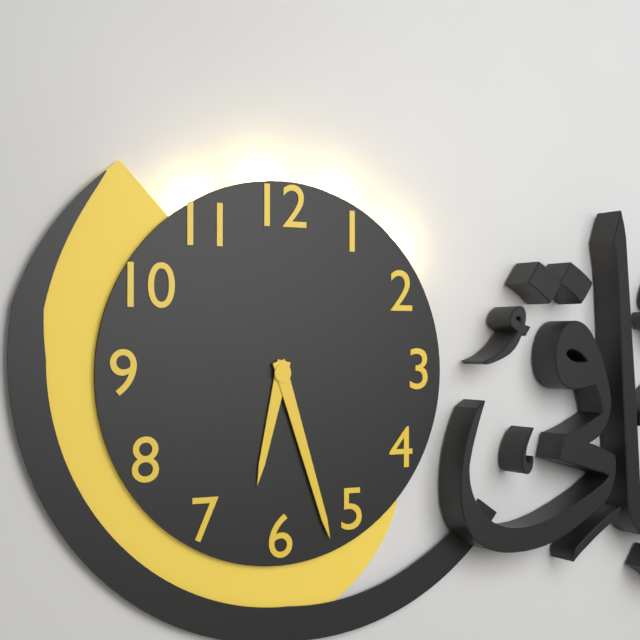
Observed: 6.27
